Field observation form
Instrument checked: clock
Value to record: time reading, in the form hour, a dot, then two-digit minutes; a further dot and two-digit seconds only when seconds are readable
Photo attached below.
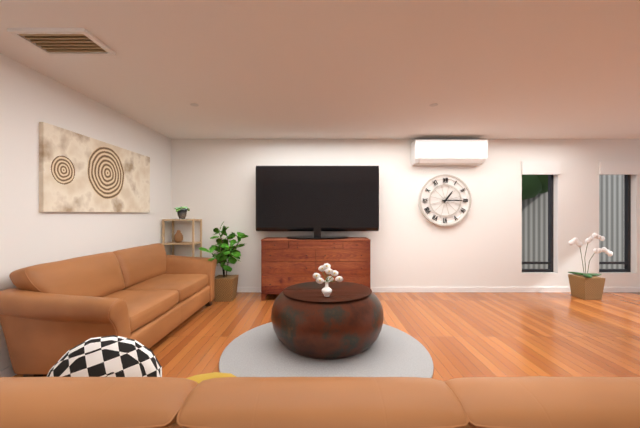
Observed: 1.15
